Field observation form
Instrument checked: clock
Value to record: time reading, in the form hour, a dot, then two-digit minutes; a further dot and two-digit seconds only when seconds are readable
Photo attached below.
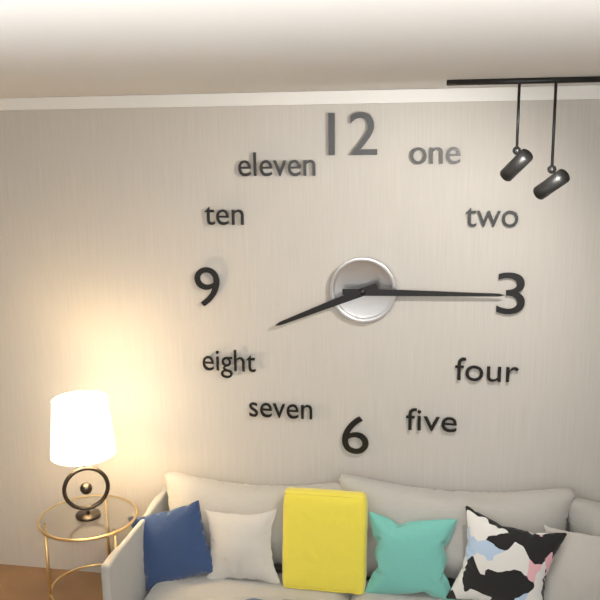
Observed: 8.15
